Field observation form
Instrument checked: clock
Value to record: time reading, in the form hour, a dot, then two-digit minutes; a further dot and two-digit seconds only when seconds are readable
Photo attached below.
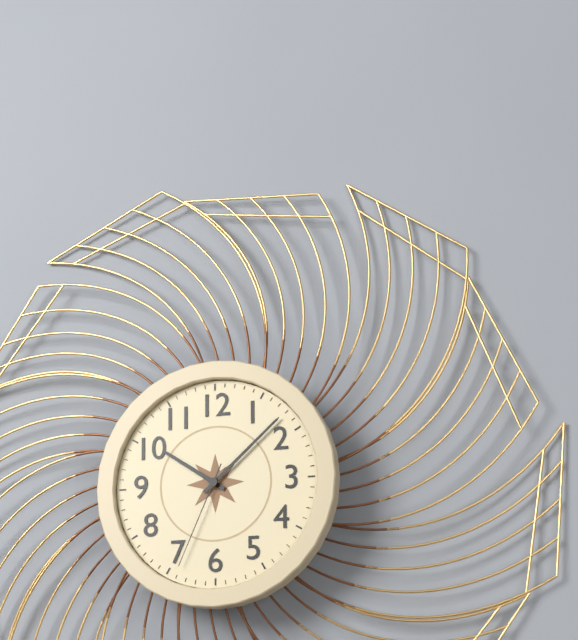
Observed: 10.08.34
